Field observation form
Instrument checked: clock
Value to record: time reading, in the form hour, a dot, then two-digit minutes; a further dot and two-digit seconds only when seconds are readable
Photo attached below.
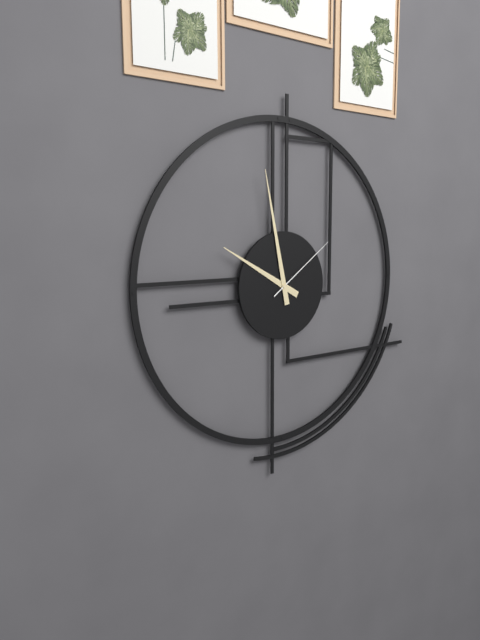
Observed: 9.58.09
